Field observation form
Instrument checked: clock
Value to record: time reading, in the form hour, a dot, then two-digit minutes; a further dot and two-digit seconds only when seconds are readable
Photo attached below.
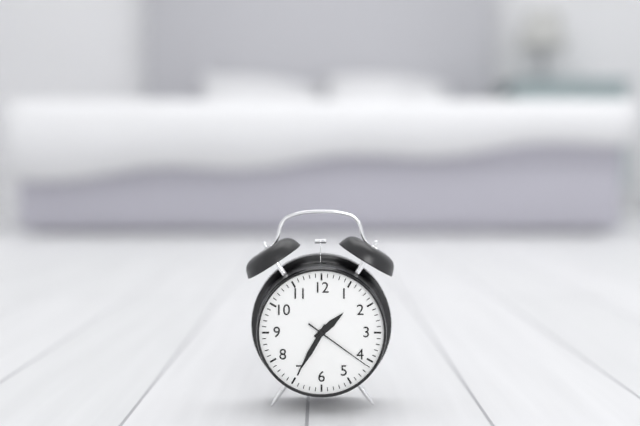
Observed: 1.35.21
